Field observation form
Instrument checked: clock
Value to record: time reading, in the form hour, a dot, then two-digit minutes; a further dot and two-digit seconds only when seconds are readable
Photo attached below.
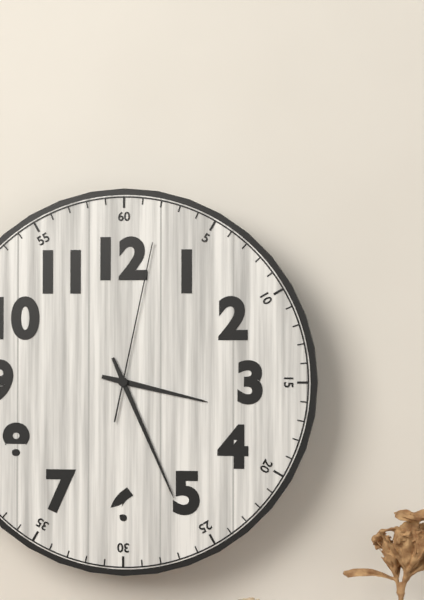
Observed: 3.26.02
